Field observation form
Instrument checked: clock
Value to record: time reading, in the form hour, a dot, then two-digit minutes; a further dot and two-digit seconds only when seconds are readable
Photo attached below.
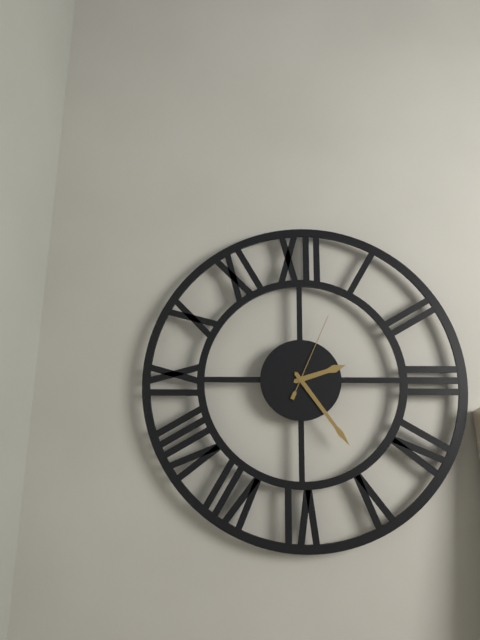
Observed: 2.24.04
